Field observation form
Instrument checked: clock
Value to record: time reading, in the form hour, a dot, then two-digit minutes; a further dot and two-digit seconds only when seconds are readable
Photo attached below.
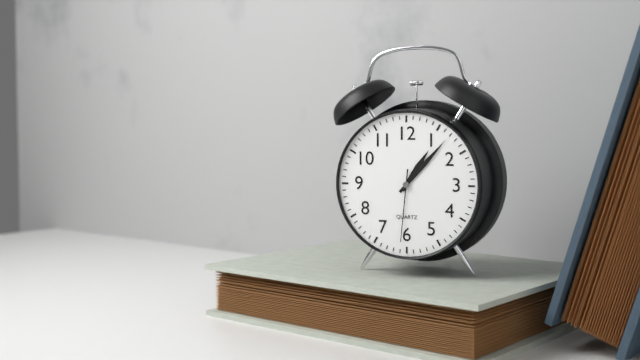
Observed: 1.07.31
